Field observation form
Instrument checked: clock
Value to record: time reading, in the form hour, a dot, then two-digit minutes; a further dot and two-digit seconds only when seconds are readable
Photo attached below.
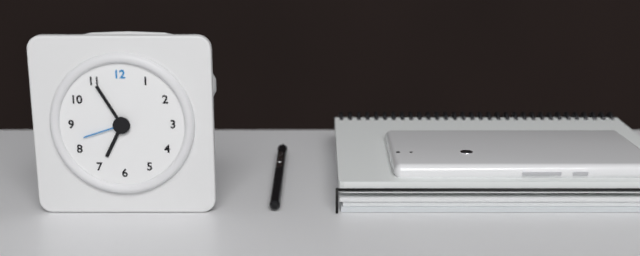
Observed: 6.55.42
